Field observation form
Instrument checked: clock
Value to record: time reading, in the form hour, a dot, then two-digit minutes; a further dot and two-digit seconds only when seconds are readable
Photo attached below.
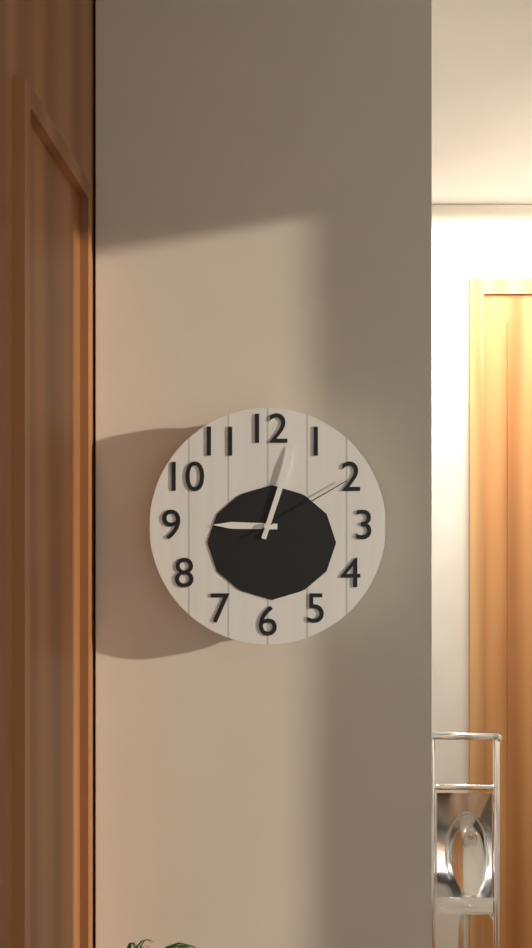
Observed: 9.03.10
